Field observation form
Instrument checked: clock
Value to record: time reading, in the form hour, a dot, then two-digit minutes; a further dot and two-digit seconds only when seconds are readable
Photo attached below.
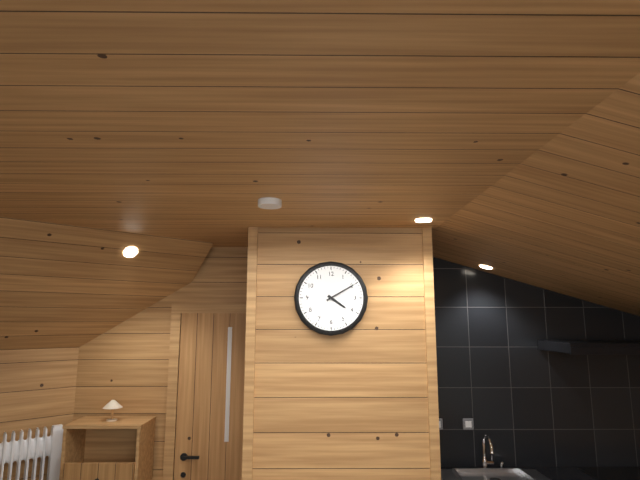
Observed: 4.10
